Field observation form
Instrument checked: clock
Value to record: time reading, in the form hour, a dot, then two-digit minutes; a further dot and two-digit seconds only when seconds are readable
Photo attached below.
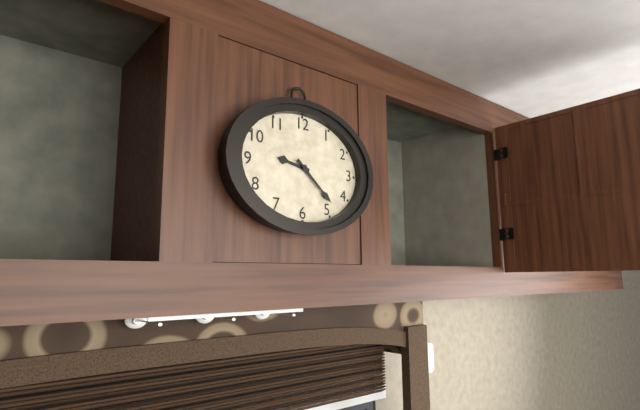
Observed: 9.22
